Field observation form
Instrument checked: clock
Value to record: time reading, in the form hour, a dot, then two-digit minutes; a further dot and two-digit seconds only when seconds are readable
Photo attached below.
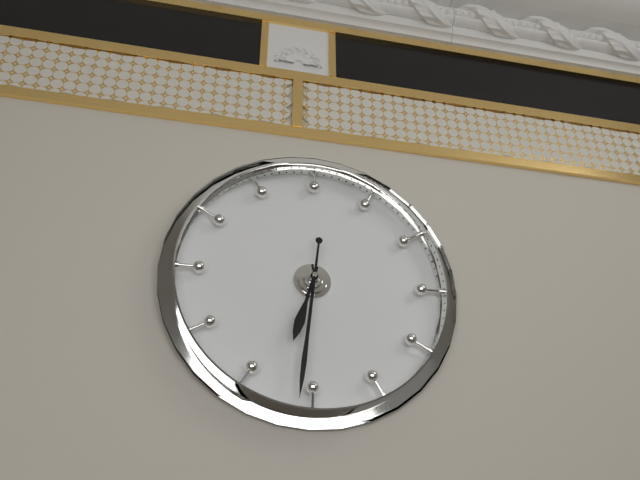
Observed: 6.31
